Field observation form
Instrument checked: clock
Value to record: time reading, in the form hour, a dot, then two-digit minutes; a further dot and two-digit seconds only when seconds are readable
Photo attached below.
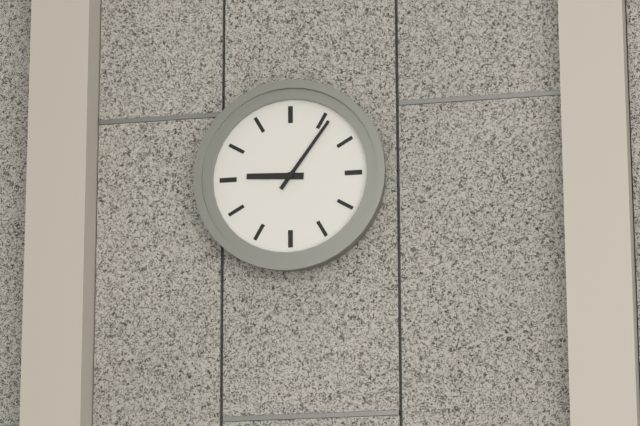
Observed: 9.06
